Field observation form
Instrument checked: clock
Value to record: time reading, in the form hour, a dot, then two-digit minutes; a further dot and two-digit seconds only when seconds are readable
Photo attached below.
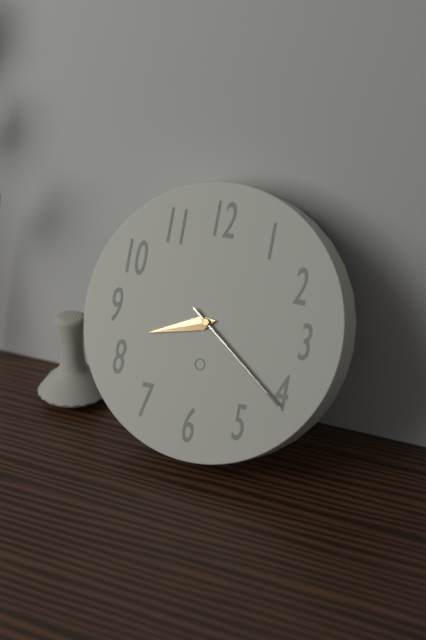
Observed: 8.21.21
